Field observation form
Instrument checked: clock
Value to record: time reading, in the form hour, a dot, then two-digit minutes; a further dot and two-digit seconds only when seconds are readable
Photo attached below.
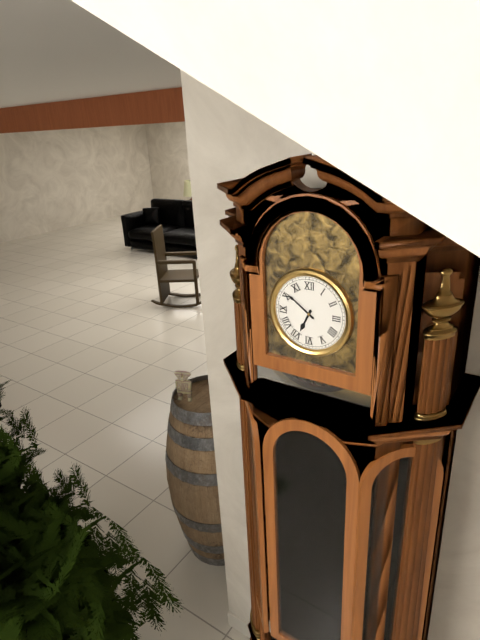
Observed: 6.51
